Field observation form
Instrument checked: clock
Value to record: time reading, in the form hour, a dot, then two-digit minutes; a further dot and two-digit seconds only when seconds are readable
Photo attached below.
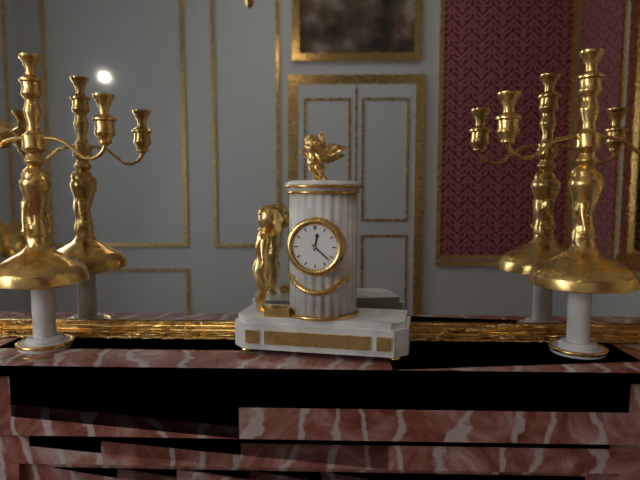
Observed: 12.22
